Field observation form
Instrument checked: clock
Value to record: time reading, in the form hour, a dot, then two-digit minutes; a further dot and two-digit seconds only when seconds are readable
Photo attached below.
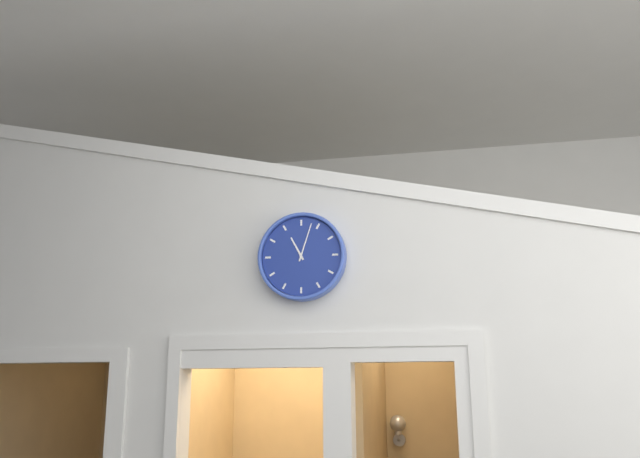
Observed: 11.03
